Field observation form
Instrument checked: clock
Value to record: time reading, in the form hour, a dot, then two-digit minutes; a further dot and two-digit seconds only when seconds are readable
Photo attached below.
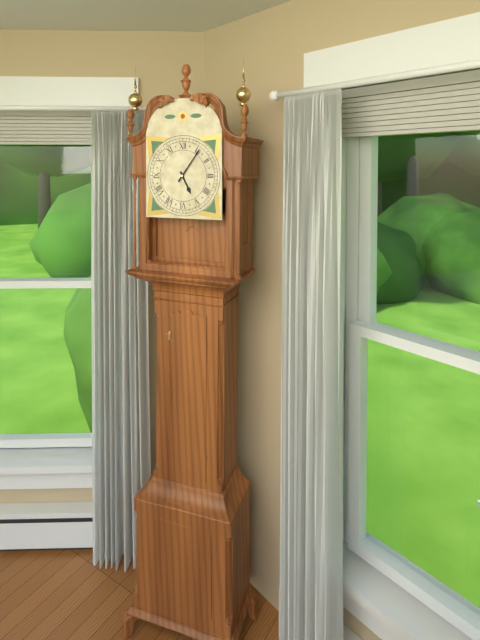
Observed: 5.06
